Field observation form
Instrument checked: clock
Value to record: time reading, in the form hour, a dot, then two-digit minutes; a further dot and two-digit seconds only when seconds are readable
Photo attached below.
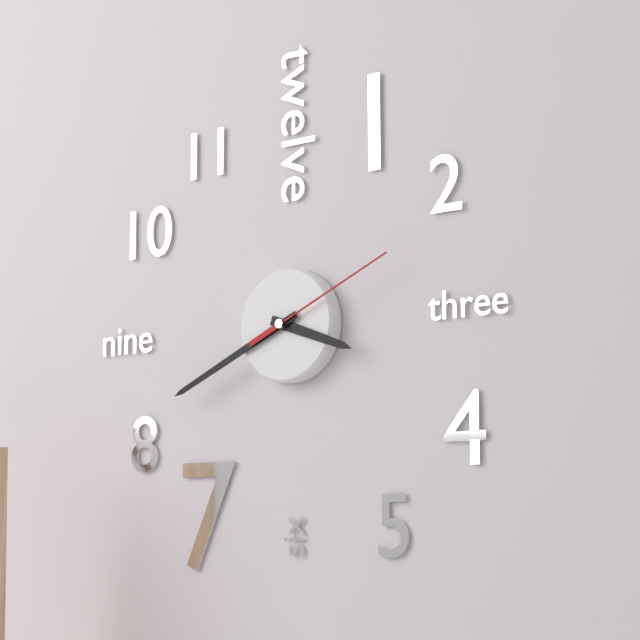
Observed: 3.41.11
